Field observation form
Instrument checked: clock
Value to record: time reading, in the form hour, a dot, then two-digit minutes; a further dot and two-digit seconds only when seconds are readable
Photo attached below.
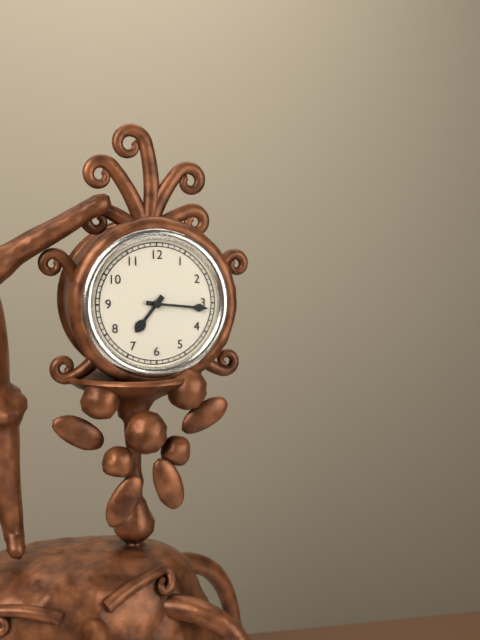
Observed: 7.16
